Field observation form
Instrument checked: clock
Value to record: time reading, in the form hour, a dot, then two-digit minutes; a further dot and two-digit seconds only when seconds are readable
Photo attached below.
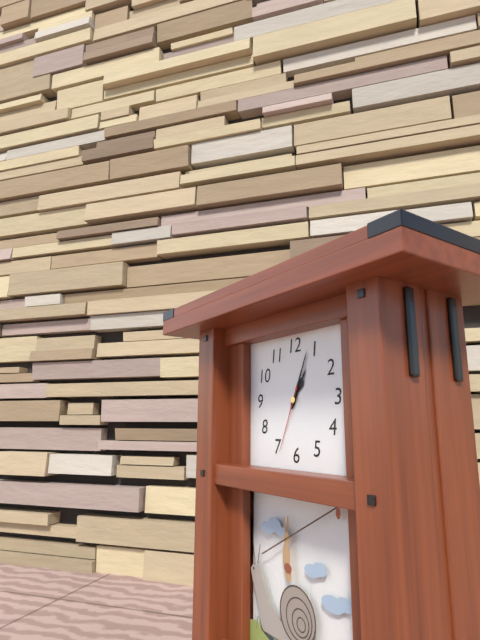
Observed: 1.04.34
